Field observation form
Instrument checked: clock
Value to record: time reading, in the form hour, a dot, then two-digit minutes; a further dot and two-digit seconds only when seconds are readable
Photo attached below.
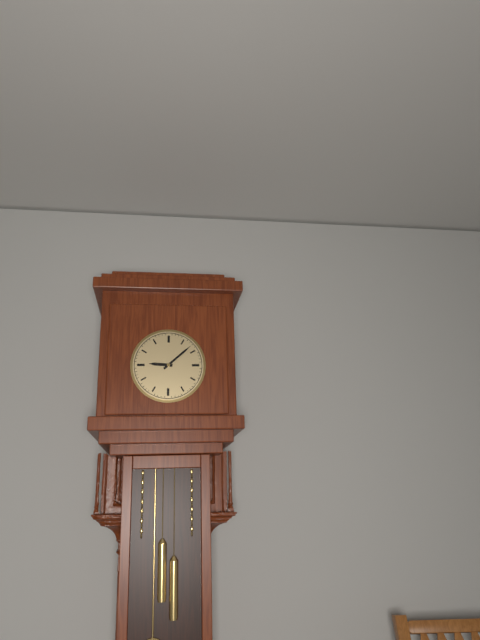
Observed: 9.08
